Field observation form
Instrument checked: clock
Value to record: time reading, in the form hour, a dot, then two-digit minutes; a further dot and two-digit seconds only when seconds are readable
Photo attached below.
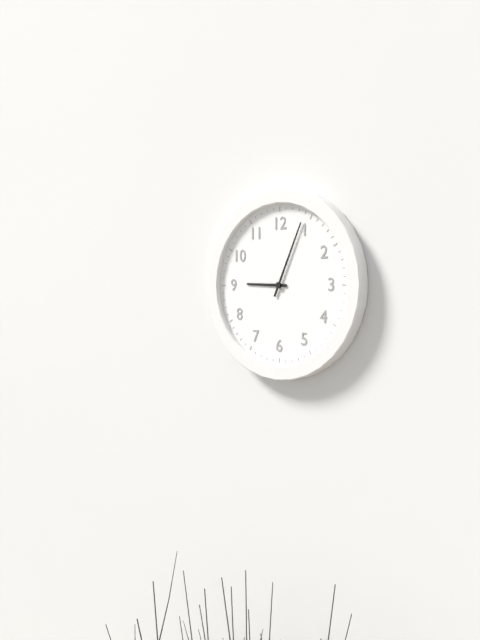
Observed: 9.04
